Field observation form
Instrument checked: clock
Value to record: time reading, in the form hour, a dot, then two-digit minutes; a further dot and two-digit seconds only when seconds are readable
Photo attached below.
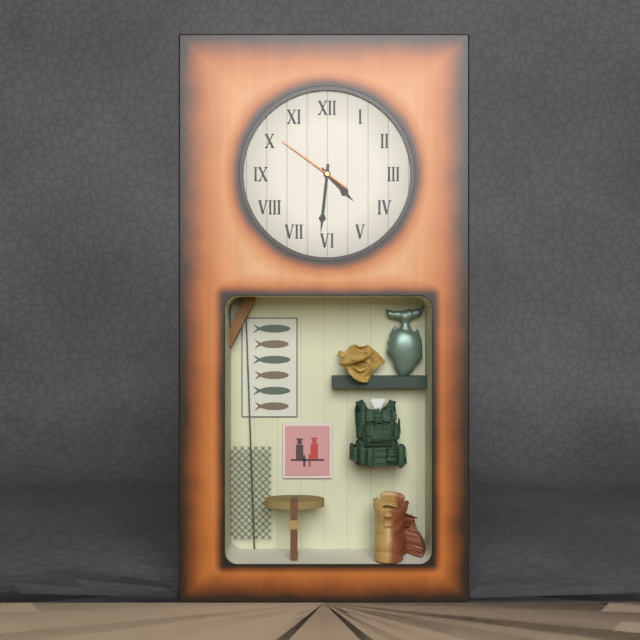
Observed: 4.31.51
